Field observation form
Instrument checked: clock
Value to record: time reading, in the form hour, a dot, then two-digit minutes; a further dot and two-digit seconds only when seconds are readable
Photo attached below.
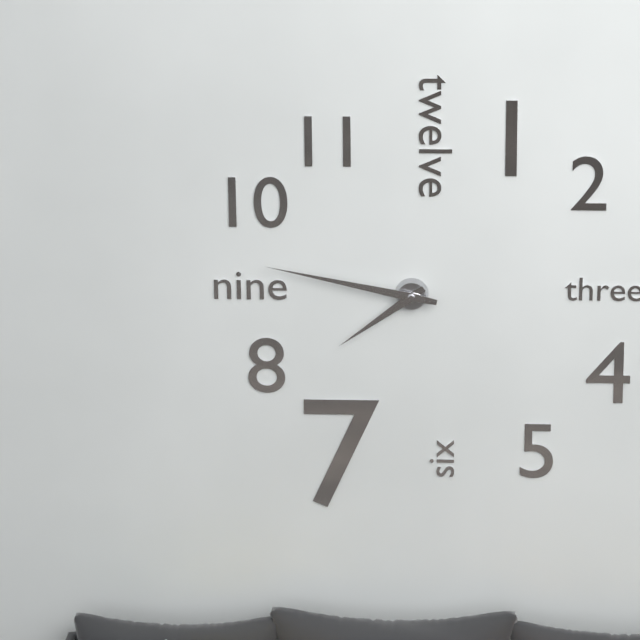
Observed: 7.47
